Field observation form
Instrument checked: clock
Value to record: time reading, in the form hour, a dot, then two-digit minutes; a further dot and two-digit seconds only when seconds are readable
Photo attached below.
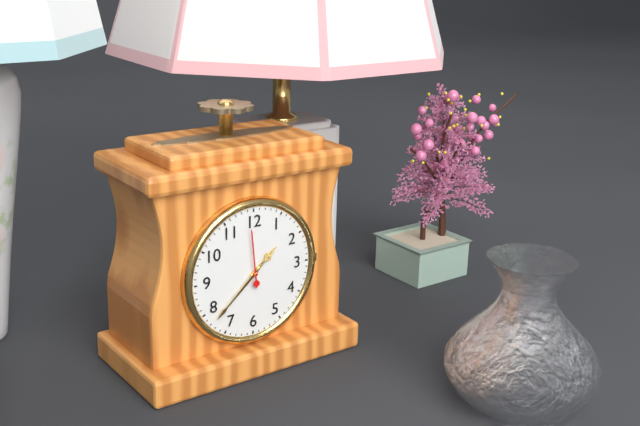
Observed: 1.38.59
